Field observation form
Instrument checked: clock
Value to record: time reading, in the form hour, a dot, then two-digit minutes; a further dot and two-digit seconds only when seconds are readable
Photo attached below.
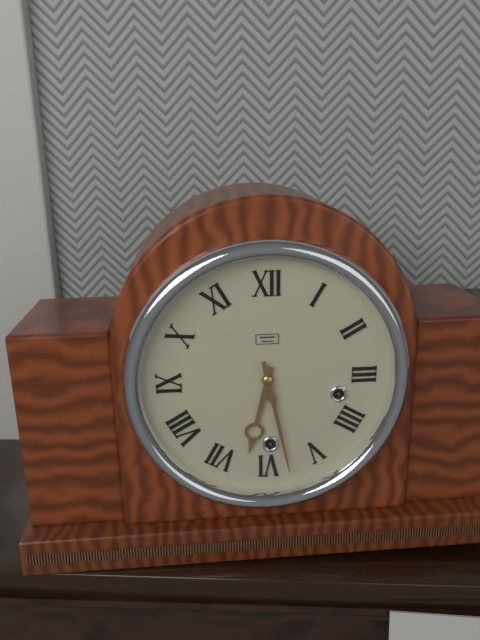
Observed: 6.28
